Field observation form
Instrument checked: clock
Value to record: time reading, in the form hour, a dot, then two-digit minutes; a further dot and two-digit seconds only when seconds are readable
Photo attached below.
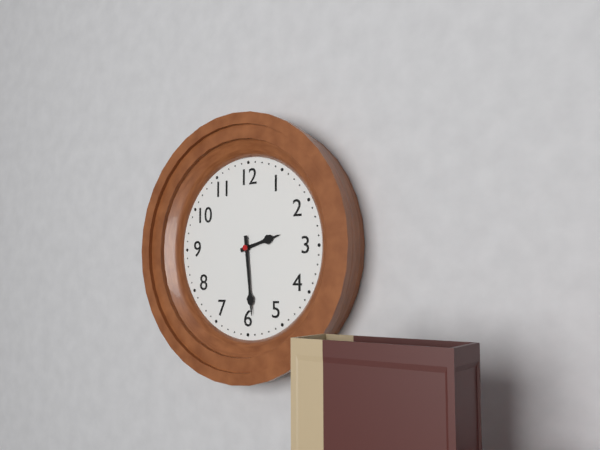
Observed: 2.29
